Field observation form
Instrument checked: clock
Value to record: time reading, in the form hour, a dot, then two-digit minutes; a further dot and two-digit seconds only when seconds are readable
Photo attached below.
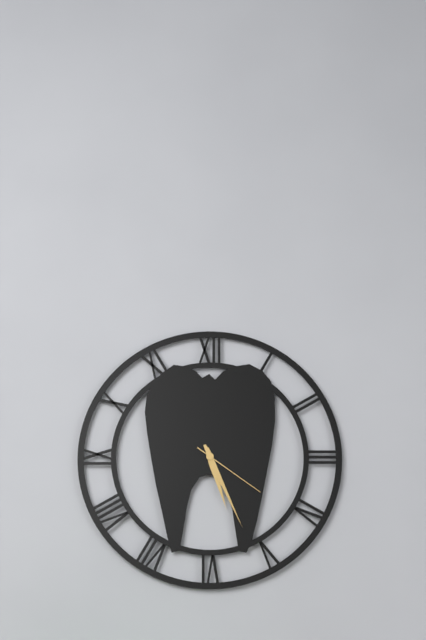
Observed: 5.26.21
